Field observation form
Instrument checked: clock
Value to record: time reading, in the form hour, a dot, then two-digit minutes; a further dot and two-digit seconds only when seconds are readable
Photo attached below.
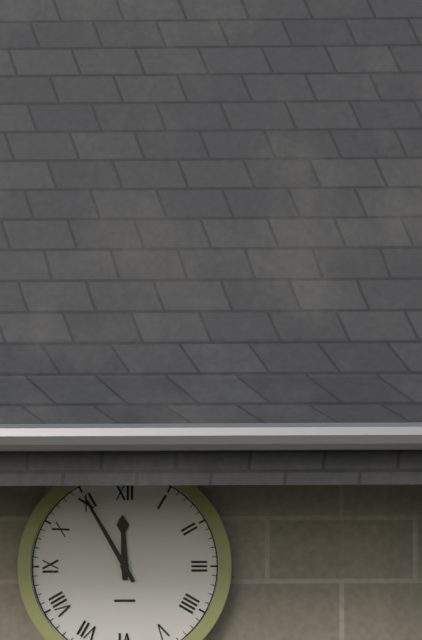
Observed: 11.55
